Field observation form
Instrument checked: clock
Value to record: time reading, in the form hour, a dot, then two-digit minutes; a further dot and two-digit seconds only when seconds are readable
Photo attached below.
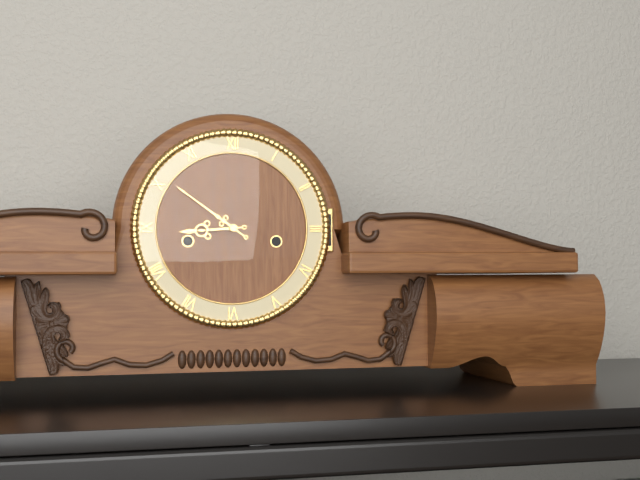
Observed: 8.51
